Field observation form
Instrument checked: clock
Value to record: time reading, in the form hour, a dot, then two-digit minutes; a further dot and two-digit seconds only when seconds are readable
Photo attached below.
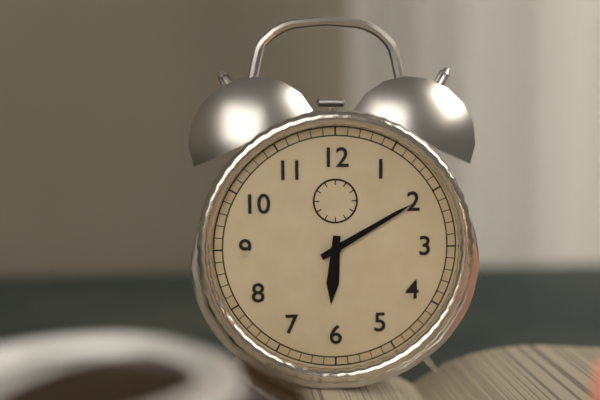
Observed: 6.10
